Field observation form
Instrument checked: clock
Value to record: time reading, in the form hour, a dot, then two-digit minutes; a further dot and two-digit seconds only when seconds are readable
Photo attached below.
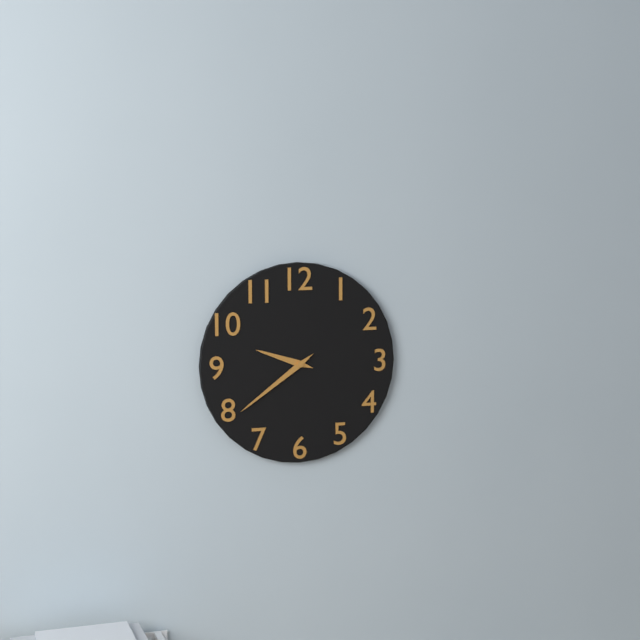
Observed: 9.39
